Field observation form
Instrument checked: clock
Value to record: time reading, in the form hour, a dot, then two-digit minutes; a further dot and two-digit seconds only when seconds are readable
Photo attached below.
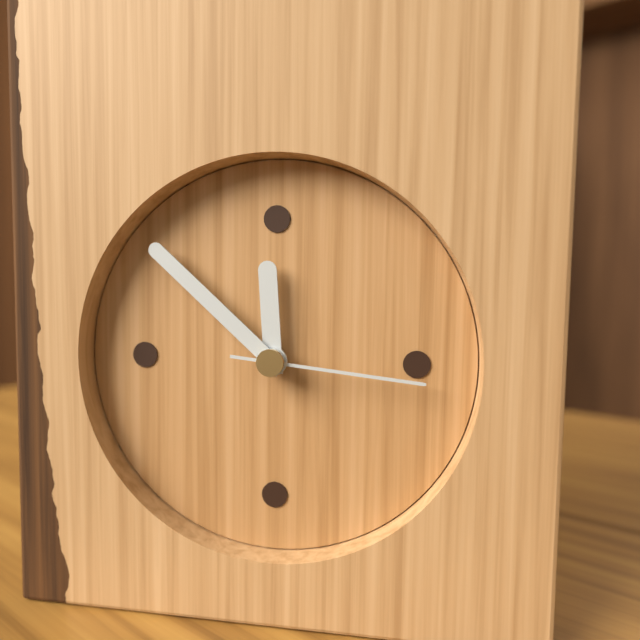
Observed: 11.52.16
